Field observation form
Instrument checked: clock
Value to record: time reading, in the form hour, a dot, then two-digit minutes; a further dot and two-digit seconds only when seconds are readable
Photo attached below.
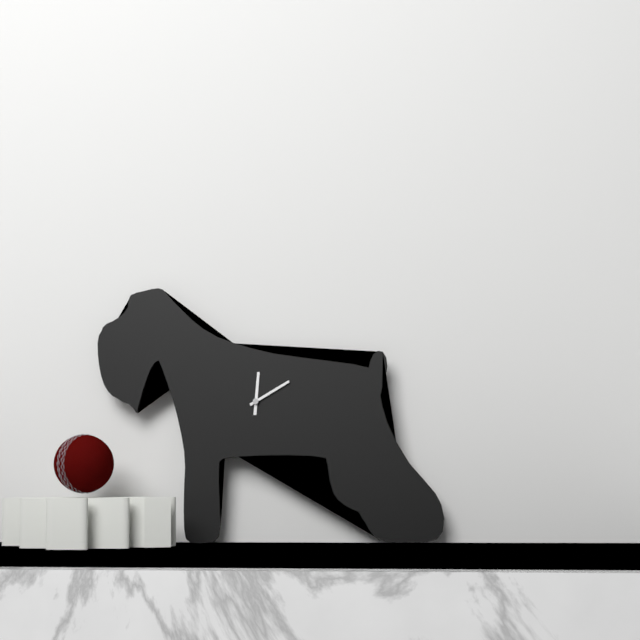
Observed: 12.10
